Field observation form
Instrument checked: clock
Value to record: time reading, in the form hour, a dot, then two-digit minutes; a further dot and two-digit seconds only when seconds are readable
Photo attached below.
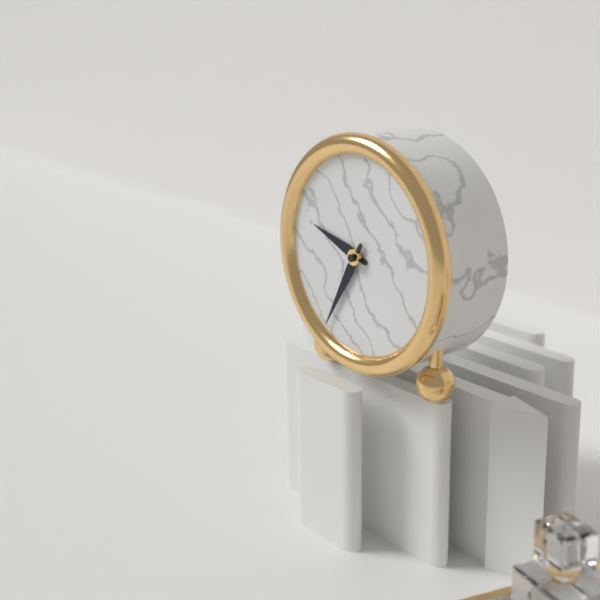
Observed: 9.35
